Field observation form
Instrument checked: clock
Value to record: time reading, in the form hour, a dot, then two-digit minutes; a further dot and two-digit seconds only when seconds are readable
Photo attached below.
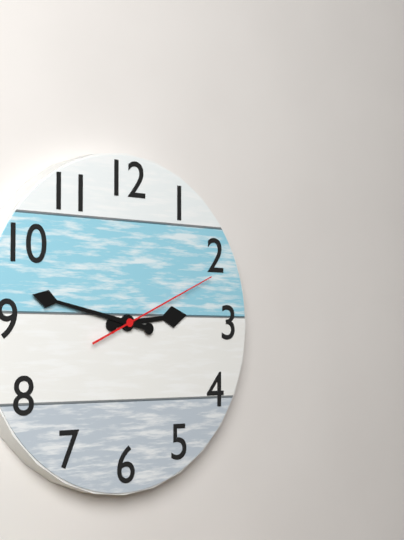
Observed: 2.47.11
